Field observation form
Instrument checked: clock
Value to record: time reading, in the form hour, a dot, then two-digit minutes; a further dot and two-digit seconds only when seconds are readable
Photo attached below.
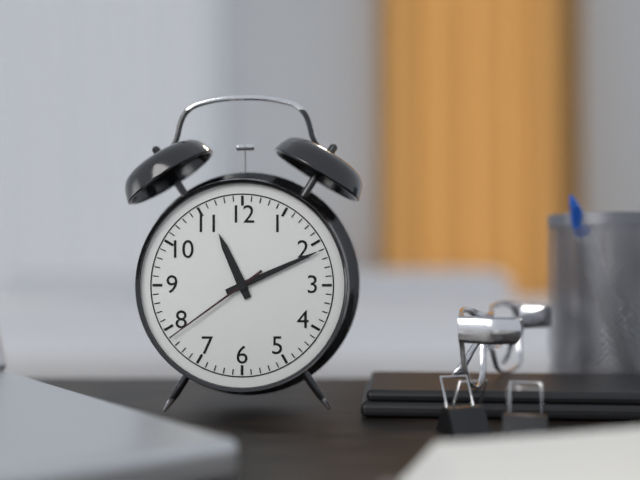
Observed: 11.11.39
